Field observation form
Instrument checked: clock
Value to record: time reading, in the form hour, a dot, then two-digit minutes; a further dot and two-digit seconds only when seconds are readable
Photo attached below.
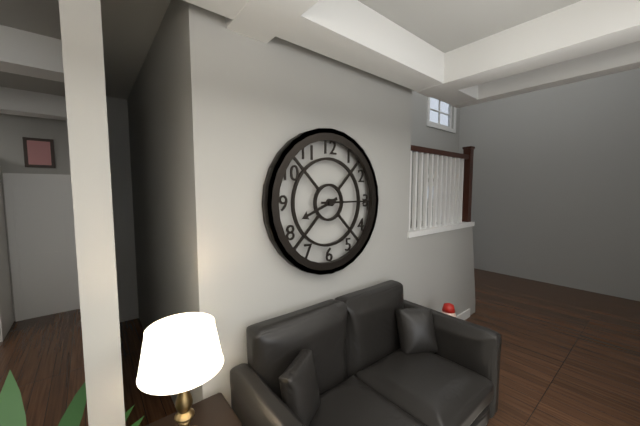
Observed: 8.15
